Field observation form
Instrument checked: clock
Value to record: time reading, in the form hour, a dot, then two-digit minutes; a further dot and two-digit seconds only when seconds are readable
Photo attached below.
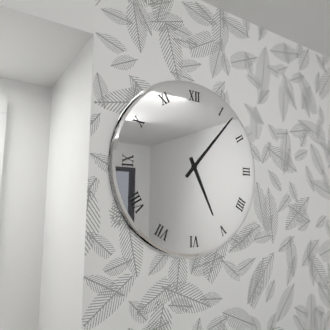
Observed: 5.07
